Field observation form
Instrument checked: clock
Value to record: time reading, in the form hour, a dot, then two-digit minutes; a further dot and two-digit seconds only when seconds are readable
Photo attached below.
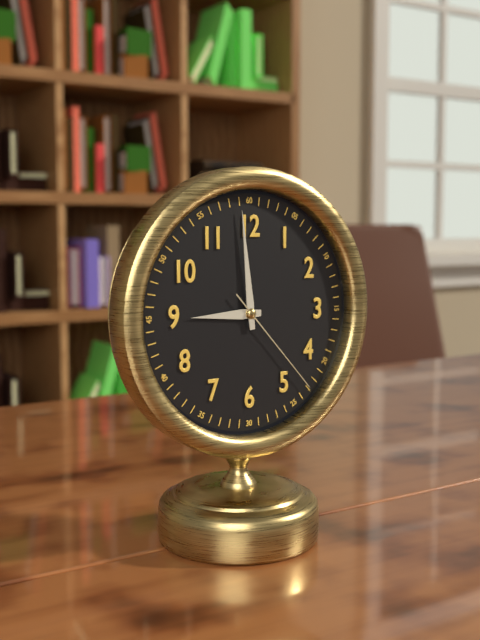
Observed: 8.59.23
